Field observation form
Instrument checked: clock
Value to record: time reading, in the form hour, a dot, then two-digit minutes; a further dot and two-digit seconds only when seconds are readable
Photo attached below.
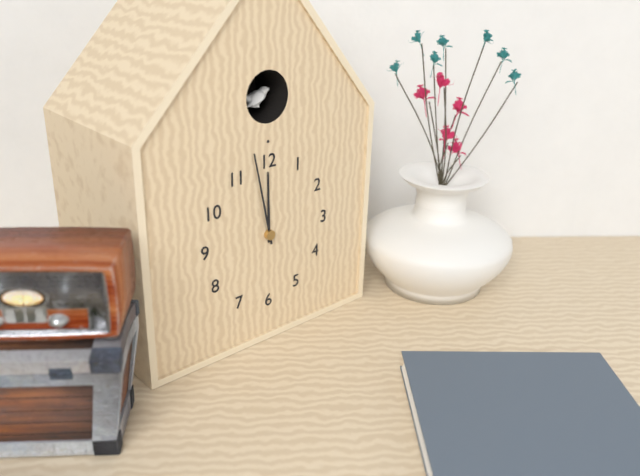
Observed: 11.58
